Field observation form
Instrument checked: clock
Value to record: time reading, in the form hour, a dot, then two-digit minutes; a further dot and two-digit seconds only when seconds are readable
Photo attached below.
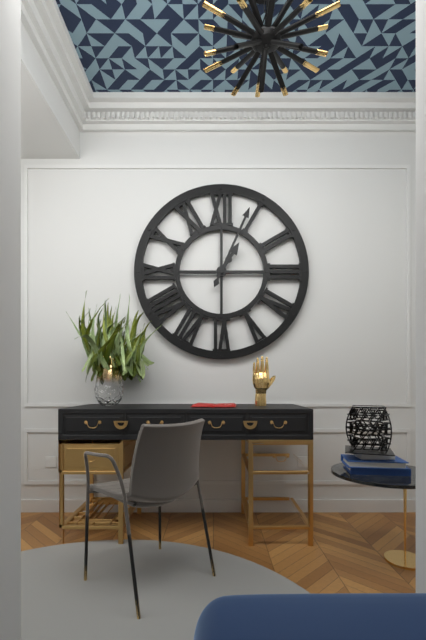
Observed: 1.04
